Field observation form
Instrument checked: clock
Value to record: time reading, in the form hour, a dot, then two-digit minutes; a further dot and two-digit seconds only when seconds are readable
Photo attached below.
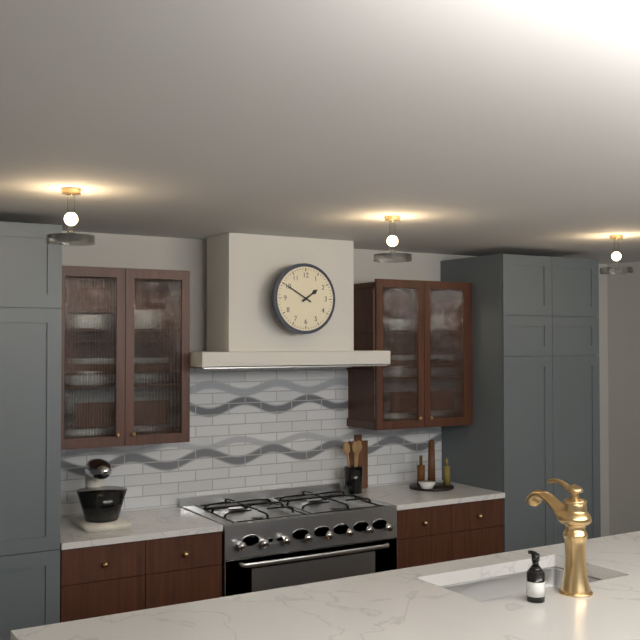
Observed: 1.50
